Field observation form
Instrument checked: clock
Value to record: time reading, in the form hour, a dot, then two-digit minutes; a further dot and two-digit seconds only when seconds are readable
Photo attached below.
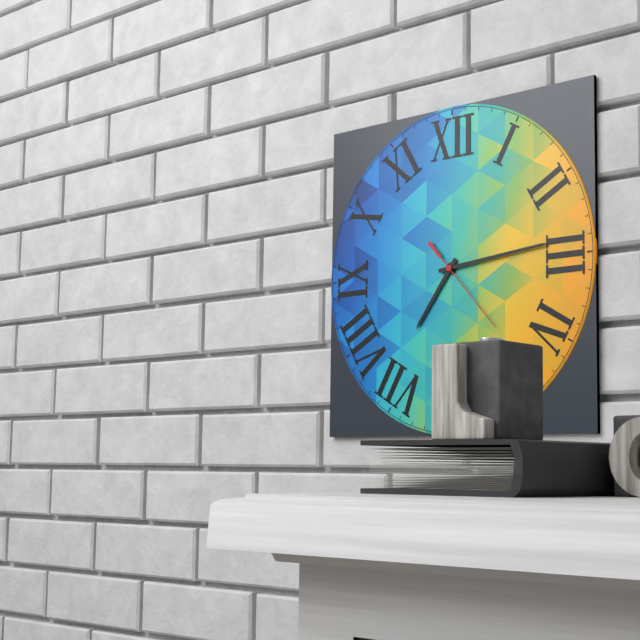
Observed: 7.14.23
